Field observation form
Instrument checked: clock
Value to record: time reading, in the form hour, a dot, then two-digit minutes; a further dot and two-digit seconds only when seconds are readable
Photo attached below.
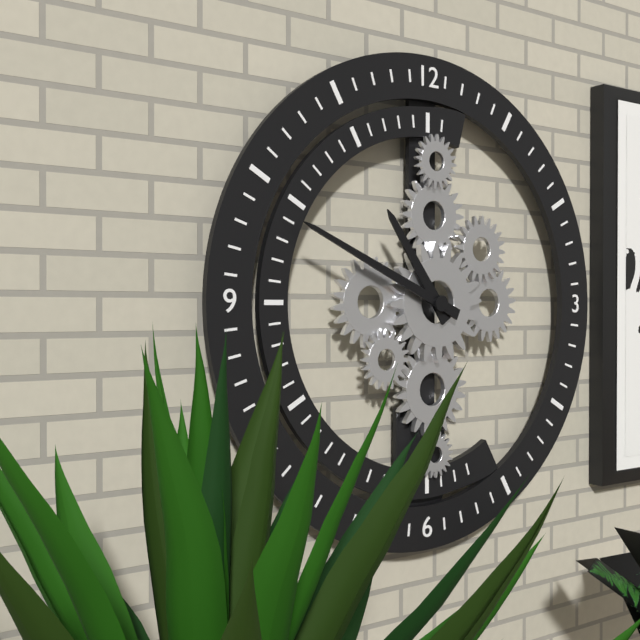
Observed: 10.49
